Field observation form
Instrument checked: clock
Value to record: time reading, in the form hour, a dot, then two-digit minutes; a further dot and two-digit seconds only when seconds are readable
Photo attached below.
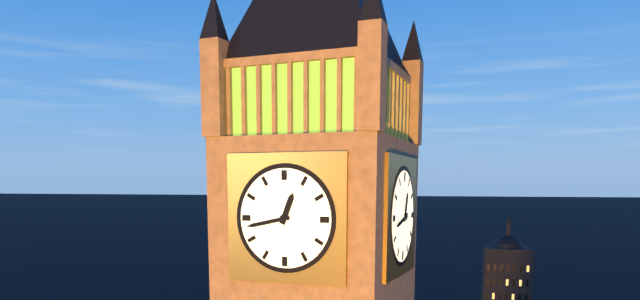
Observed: 12.43
